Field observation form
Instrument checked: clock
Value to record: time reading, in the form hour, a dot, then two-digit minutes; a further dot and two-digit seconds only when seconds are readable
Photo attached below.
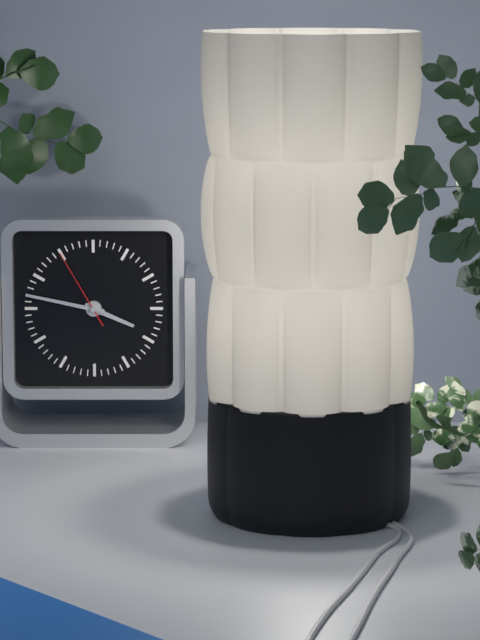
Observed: 3.47.55
